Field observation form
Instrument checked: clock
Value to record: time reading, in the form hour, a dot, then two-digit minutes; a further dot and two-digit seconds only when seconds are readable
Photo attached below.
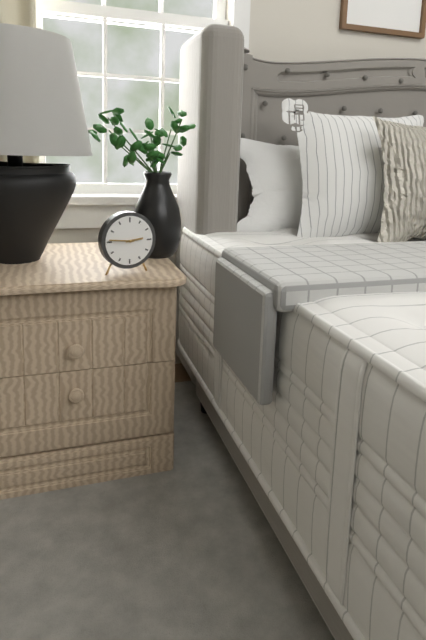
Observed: 2.46
